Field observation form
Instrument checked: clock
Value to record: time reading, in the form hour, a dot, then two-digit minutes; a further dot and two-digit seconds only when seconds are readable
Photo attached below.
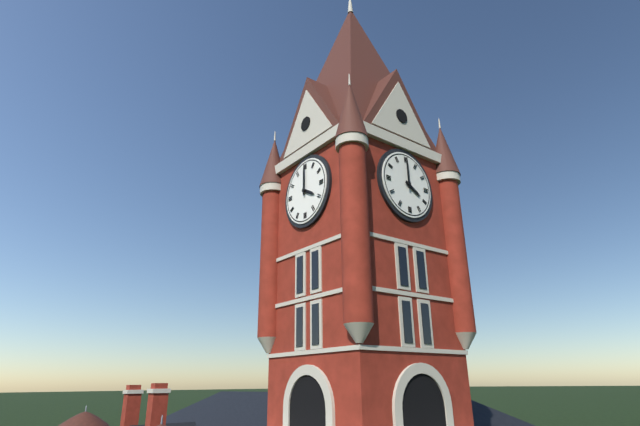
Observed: 4.00
